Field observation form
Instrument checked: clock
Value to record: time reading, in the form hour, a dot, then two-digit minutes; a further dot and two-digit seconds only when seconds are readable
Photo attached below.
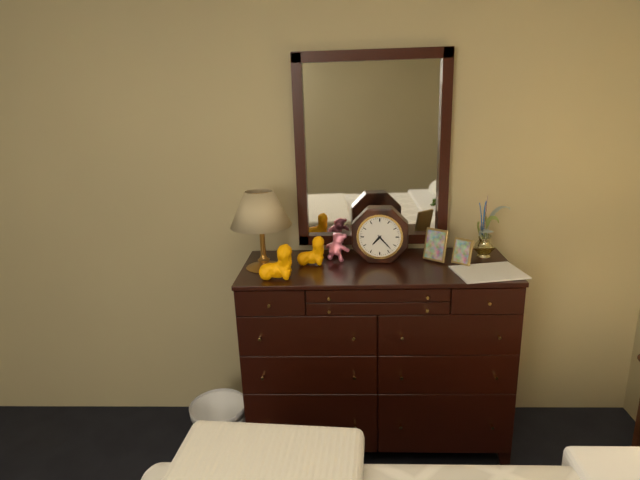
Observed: 7.23
